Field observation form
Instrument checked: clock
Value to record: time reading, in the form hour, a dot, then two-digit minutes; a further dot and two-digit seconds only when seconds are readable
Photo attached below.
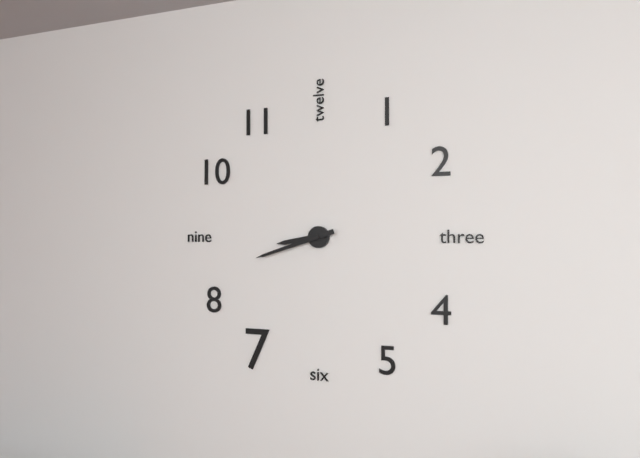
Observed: 8.42
